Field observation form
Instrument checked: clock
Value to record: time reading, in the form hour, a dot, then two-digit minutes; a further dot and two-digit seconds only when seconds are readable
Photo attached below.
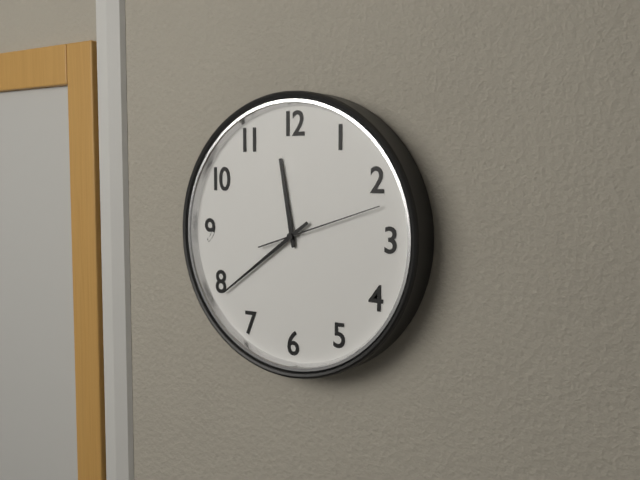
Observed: 11.39.12
